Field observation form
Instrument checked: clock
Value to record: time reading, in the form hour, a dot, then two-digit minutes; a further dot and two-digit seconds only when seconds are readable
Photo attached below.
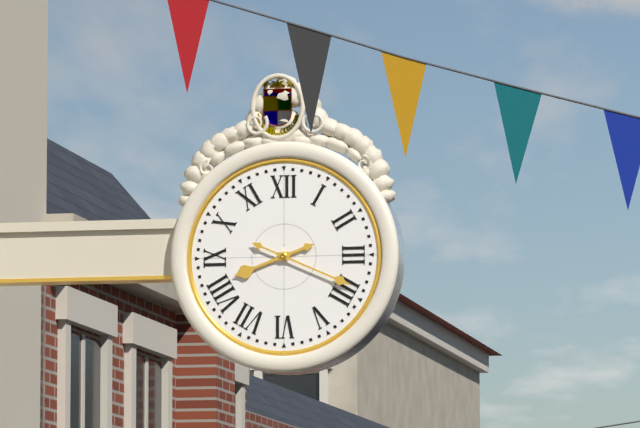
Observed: 8.19
